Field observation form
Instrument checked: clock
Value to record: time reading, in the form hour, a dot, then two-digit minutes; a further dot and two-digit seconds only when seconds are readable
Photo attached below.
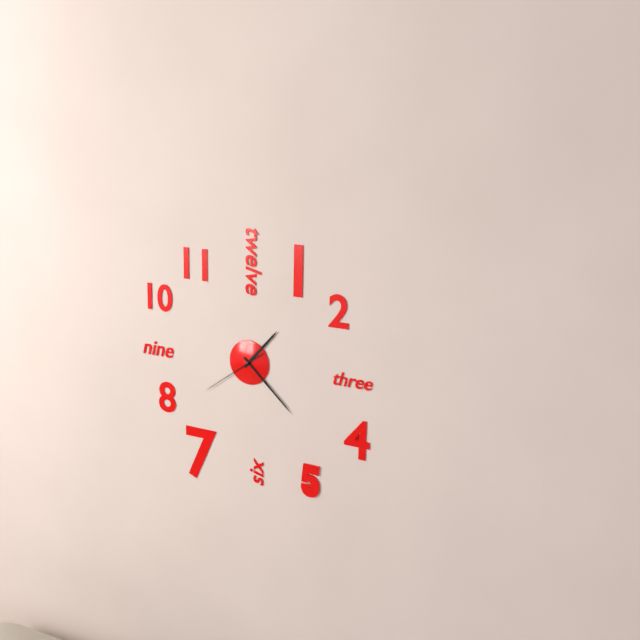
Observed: 1.22.39
